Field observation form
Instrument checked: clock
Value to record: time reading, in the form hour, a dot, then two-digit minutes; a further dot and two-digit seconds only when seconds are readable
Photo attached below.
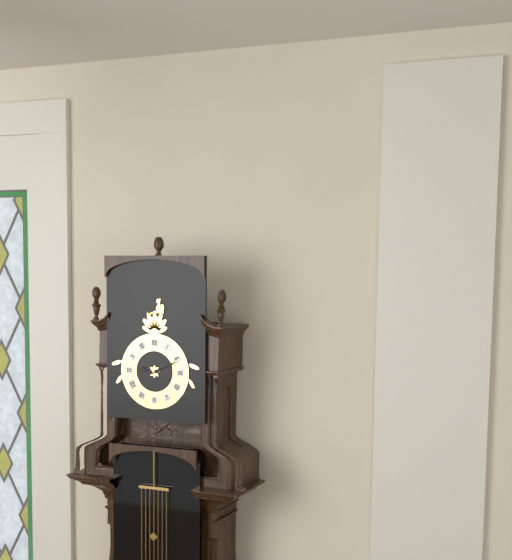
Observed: 9.11
